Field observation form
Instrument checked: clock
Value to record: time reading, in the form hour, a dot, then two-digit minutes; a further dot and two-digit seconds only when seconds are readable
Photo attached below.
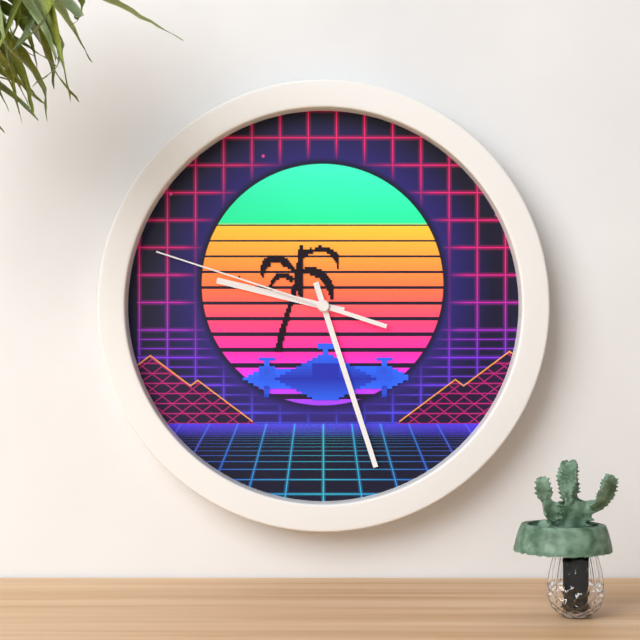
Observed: 9.27.48
